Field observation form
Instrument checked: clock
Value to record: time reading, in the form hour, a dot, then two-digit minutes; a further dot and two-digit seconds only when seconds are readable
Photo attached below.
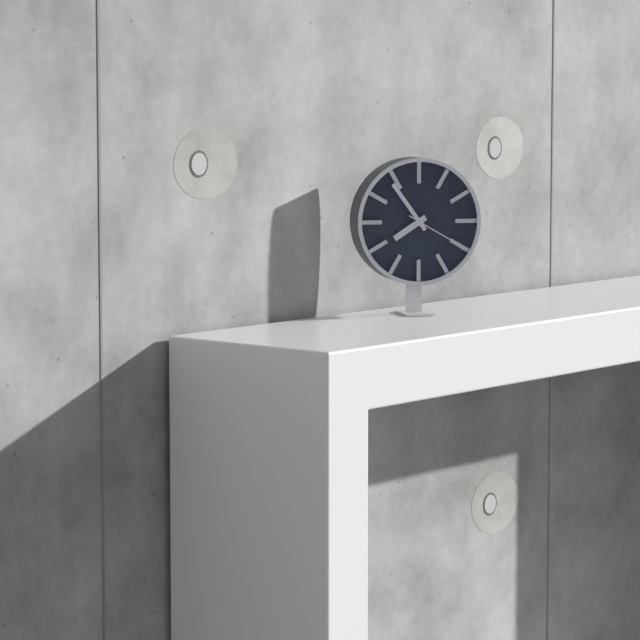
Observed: 7.54.20
